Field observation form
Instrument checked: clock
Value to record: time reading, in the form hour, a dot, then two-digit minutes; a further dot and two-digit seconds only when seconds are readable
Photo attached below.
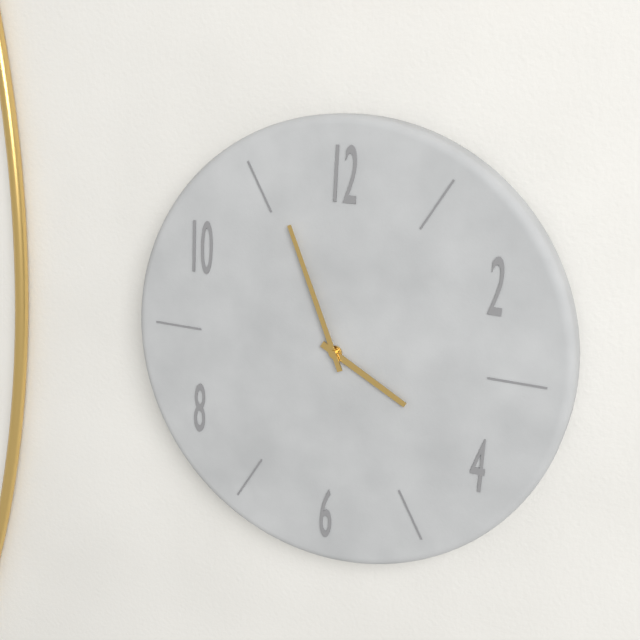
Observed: 3.56
